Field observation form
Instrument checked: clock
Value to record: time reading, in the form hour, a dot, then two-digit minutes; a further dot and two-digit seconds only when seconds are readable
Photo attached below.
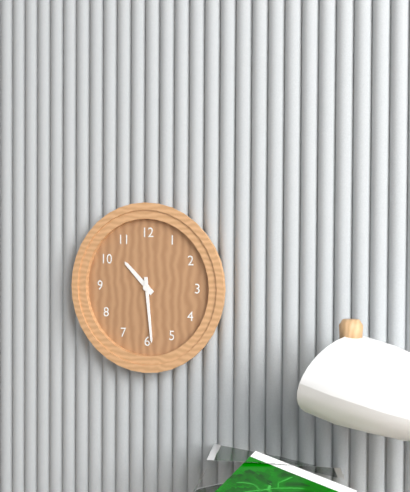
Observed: 10.29
